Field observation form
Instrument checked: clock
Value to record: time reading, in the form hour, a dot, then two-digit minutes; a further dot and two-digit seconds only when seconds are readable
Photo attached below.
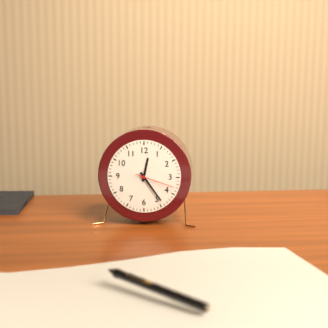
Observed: 12.24
